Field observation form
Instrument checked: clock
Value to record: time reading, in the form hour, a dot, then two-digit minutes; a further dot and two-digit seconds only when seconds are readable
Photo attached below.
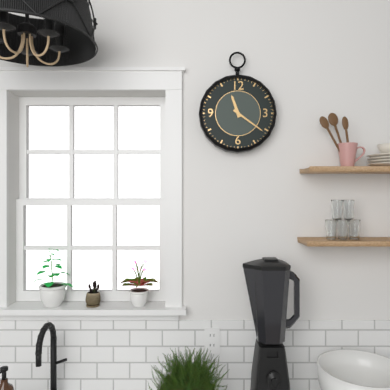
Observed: 11.21
